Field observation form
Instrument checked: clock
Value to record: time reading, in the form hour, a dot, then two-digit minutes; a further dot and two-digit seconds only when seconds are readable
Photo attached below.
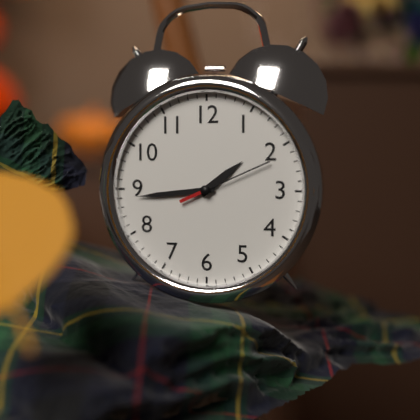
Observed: 1.44.11
